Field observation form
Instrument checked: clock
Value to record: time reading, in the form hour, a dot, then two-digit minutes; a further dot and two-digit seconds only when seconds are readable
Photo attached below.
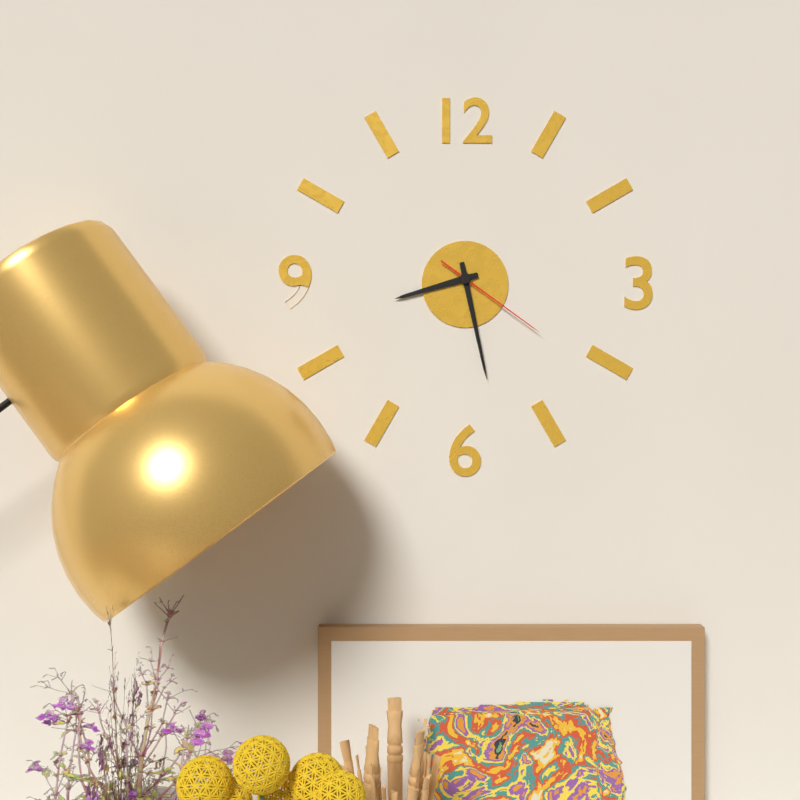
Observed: 8.28.21
